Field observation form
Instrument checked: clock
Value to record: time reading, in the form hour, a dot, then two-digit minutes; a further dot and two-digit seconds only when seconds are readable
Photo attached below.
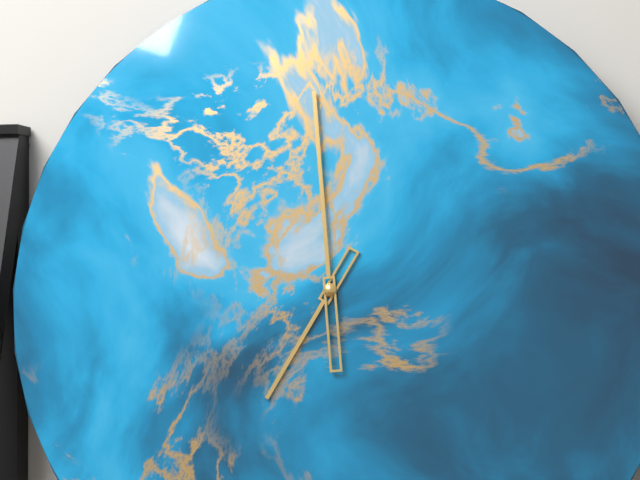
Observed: 6.59
